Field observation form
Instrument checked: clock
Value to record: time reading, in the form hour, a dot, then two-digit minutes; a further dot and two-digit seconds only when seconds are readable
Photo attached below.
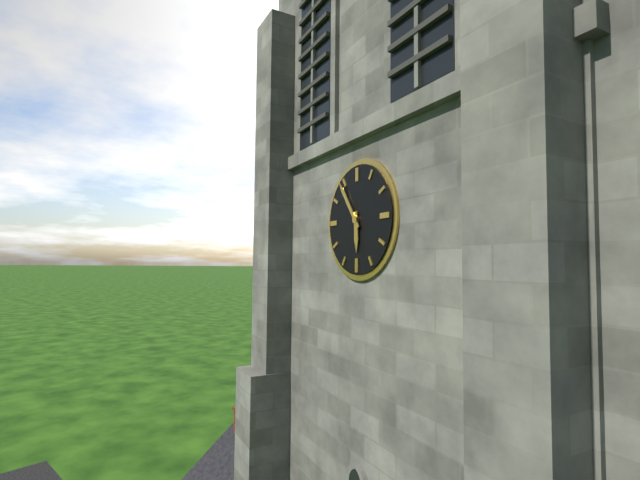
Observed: 5.54
